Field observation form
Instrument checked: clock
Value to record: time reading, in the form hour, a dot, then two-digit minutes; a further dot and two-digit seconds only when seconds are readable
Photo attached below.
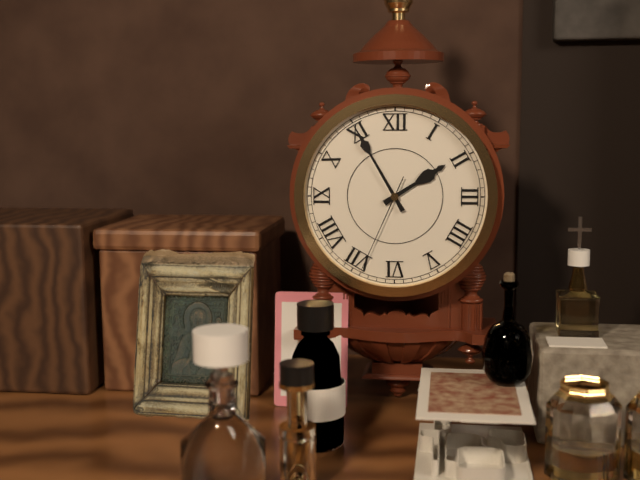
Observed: 1.55.34
